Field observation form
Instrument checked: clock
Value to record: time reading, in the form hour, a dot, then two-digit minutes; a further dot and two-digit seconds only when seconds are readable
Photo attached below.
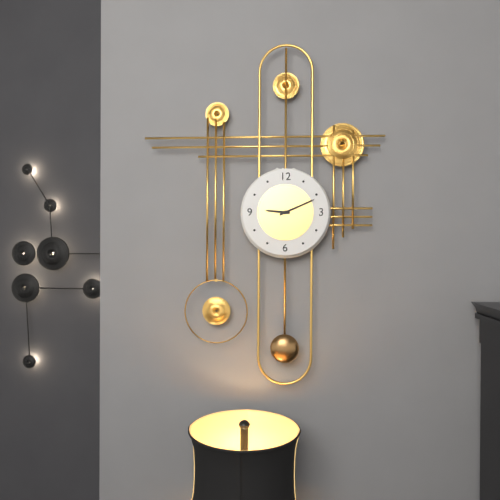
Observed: 9.11
